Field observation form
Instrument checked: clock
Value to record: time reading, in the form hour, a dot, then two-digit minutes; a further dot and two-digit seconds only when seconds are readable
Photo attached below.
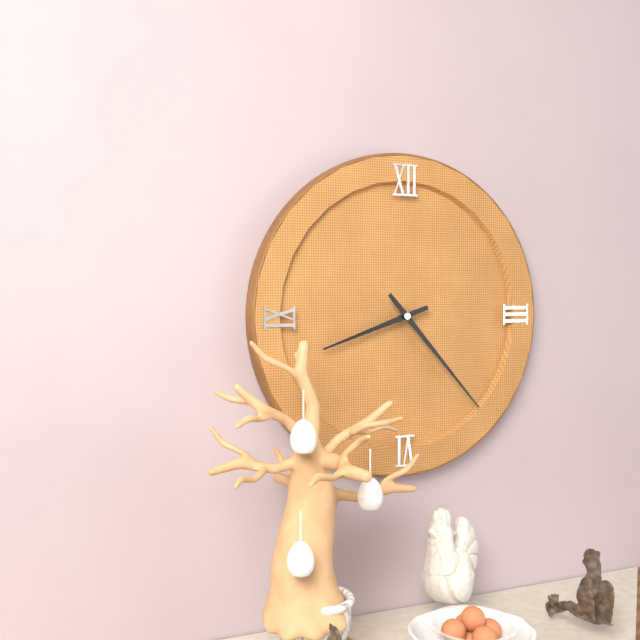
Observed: 8.23
